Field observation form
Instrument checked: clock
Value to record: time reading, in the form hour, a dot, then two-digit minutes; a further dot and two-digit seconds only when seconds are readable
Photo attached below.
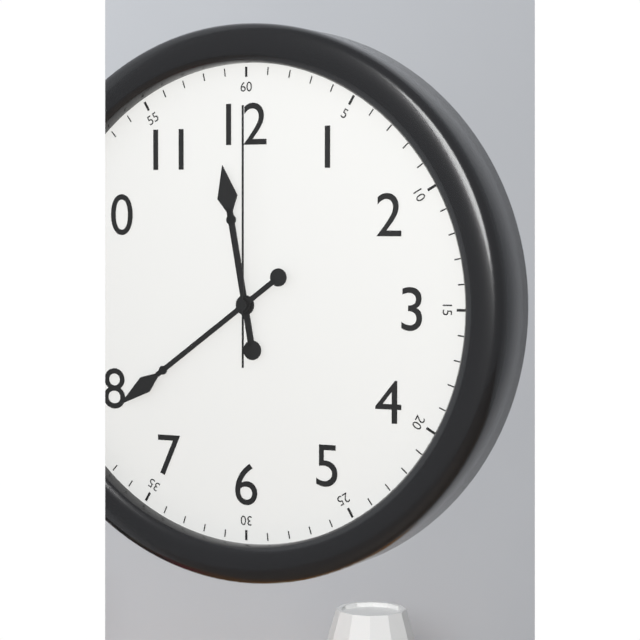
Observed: 11.39.00
